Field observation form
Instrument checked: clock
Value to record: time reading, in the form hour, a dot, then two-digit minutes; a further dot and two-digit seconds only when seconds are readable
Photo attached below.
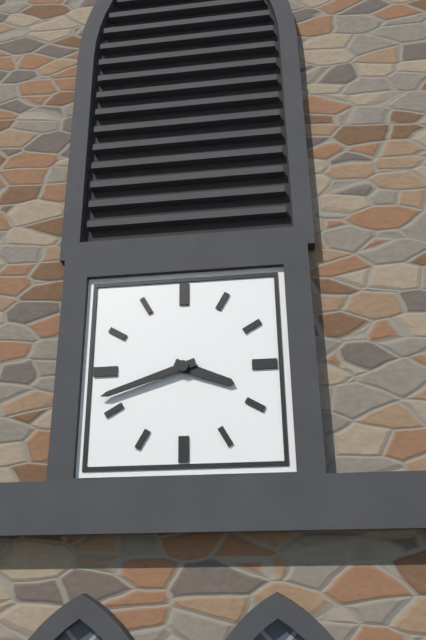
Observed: 3.42
